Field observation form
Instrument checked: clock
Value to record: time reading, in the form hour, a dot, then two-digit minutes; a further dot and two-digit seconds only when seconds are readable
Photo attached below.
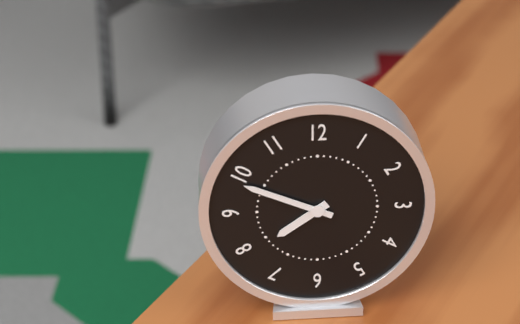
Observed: 7.49
